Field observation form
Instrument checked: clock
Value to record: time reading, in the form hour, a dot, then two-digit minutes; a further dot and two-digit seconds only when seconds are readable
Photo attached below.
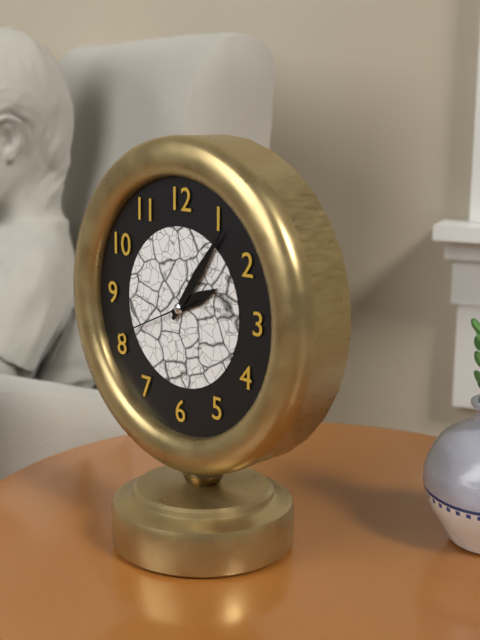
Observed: 2.06.41
